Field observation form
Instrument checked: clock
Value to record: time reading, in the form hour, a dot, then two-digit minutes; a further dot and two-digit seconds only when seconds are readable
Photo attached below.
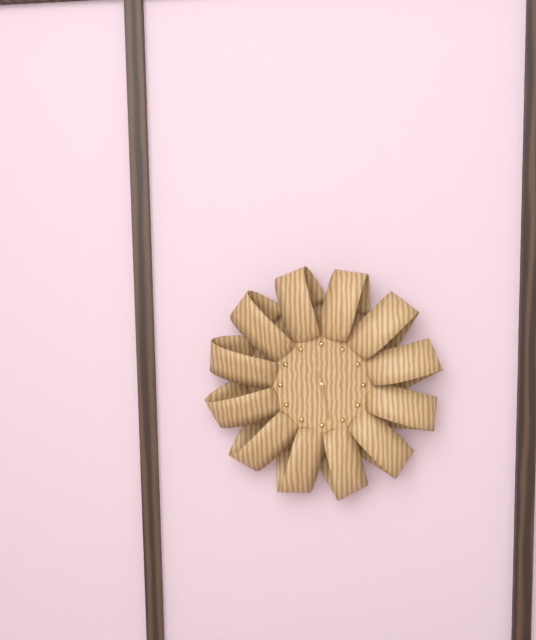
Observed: 11.28
